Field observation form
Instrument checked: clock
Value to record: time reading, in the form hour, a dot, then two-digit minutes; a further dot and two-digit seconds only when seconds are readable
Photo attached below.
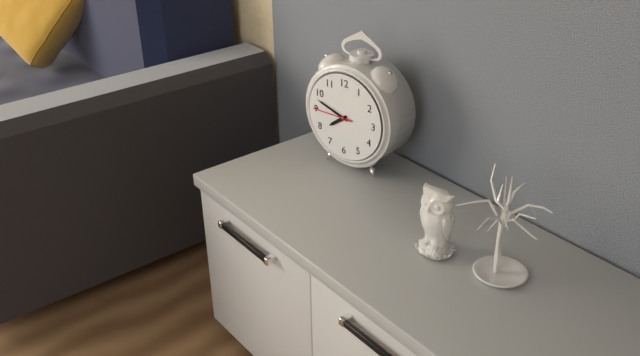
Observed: 7.48
